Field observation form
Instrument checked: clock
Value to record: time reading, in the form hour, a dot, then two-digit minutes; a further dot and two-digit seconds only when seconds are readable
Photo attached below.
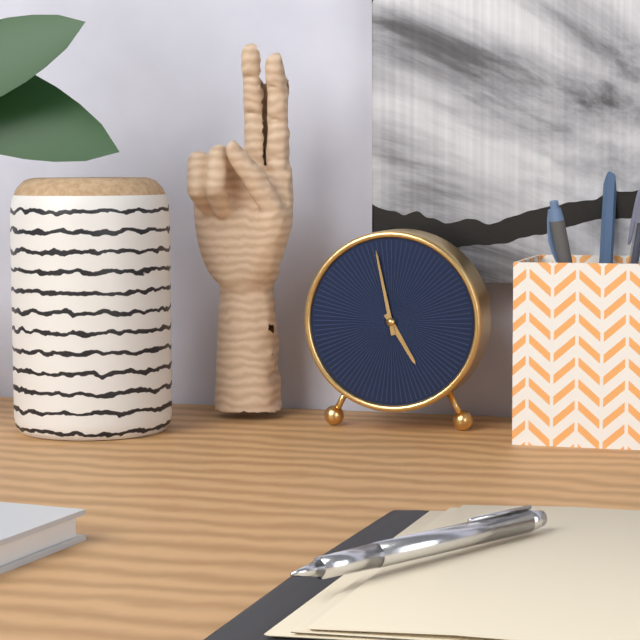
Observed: 4.58
